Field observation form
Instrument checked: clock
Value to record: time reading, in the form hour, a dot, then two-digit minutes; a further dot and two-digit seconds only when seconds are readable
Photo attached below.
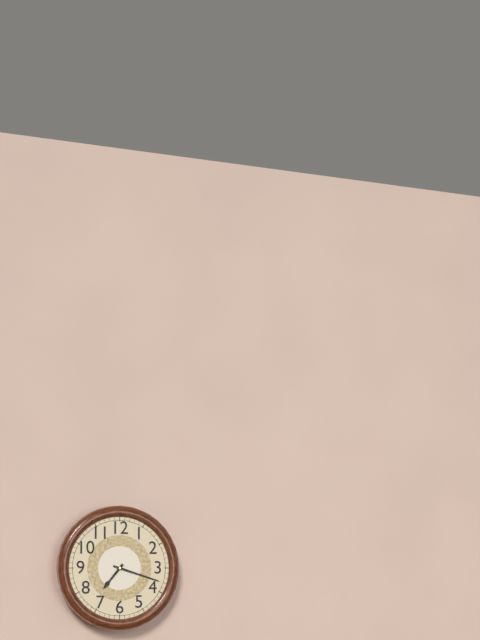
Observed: 7.18
